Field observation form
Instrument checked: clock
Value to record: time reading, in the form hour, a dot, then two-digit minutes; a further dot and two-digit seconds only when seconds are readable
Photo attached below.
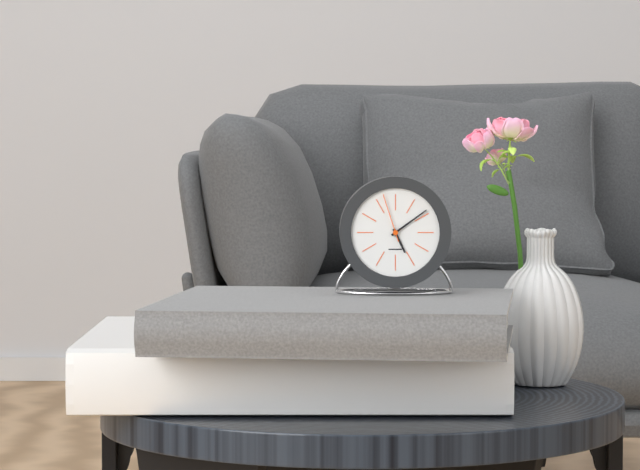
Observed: 5.09.57
